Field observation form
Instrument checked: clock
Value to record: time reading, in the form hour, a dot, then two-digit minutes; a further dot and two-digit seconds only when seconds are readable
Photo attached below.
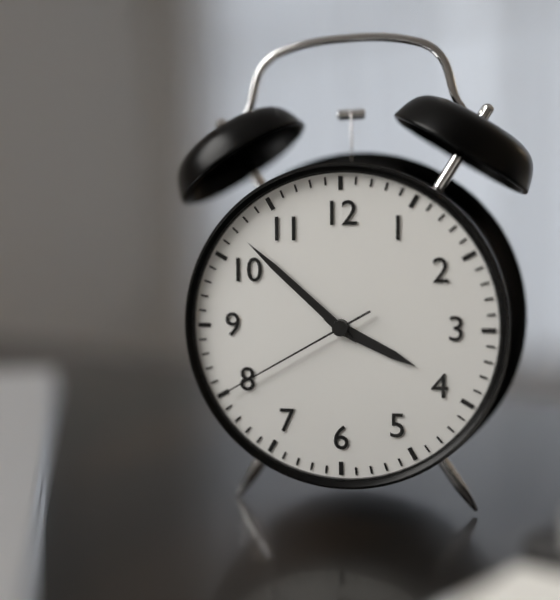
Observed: 3.52.40
